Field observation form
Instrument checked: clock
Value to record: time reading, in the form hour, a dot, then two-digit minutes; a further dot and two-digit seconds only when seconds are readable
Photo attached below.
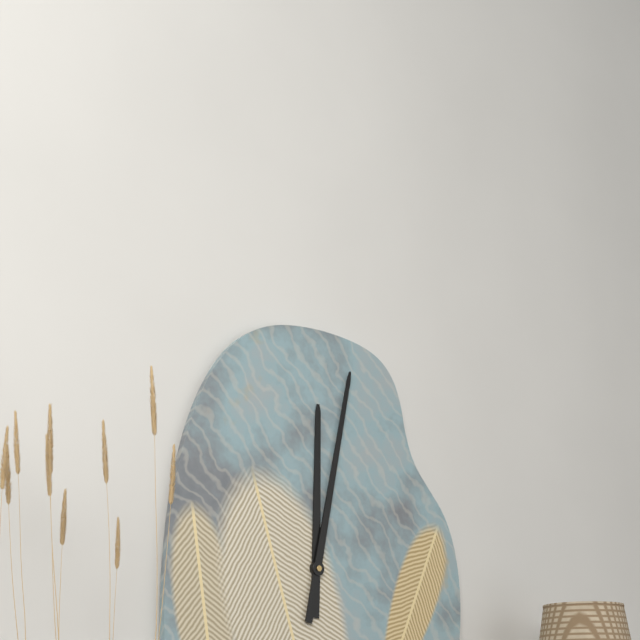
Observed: 12.02
